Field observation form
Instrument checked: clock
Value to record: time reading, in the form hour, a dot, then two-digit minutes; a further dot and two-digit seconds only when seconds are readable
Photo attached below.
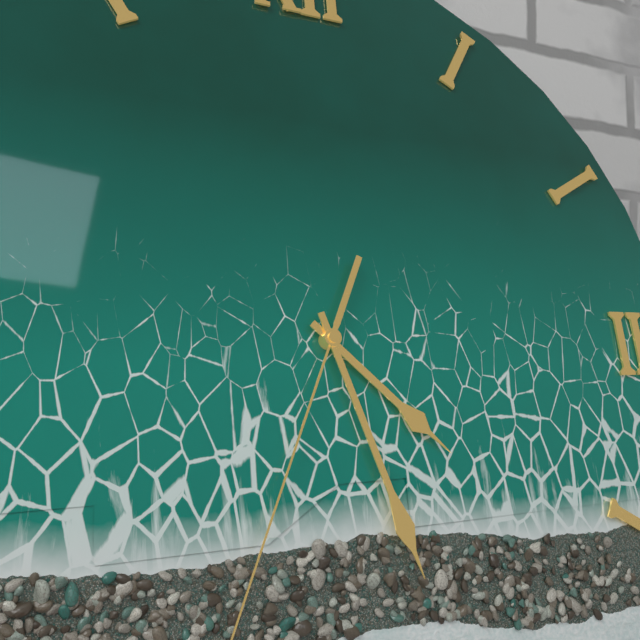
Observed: 4.27
